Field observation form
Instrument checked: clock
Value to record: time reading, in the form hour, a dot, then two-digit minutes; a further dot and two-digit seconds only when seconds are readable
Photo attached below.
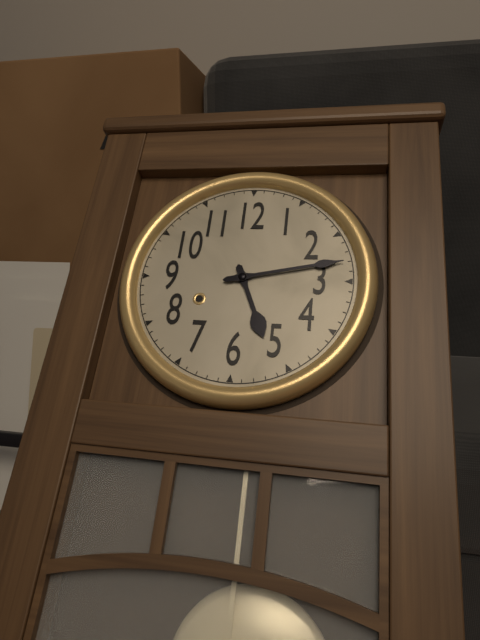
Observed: 5.13
